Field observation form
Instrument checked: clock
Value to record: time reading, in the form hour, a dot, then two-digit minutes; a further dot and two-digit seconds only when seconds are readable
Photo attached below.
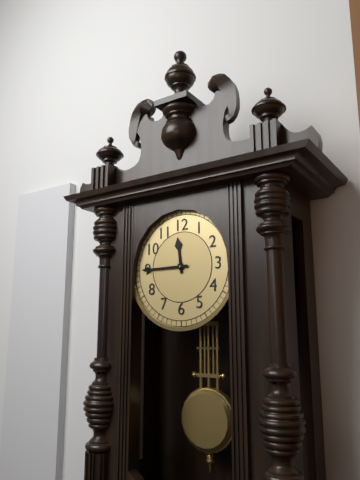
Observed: 11.45
